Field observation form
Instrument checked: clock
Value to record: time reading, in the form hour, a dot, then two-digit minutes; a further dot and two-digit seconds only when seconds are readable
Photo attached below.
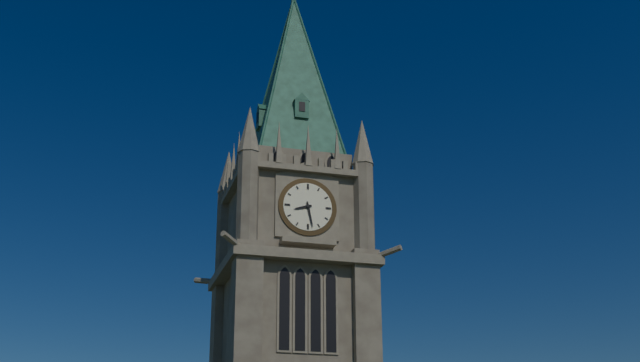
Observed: 8.28
